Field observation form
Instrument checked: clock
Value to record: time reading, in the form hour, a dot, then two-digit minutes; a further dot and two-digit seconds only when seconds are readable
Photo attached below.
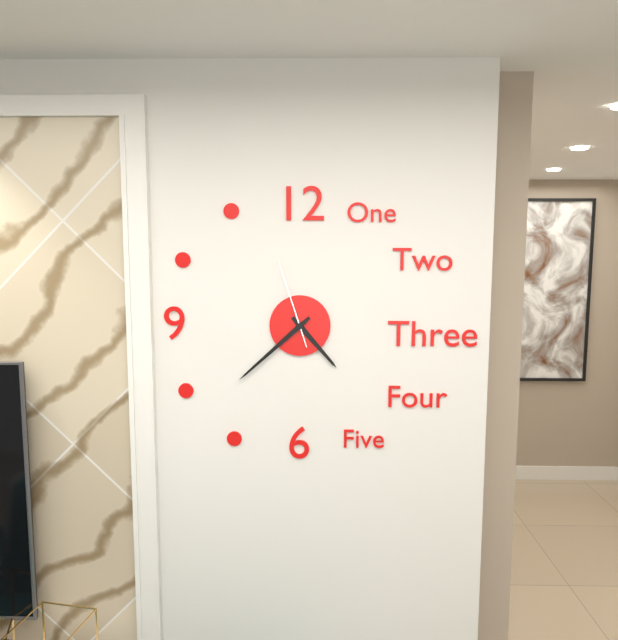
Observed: 4.38.57
